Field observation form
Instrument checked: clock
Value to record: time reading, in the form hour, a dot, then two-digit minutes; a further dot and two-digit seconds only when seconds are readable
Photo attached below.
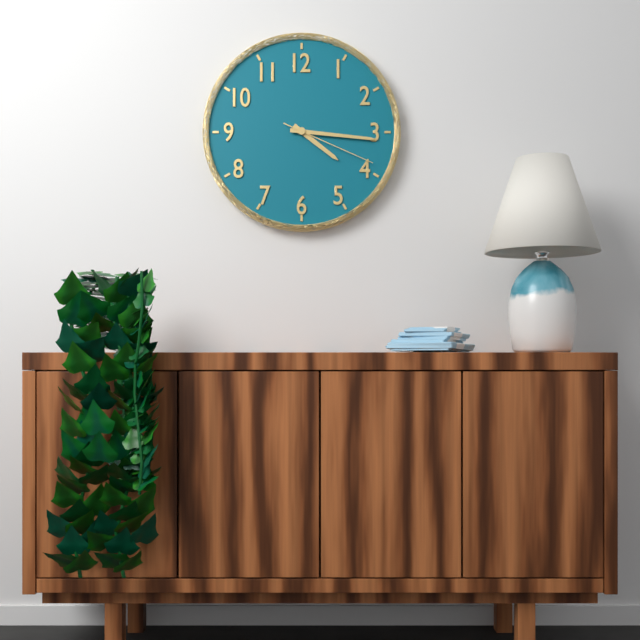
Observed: 4.16.19
